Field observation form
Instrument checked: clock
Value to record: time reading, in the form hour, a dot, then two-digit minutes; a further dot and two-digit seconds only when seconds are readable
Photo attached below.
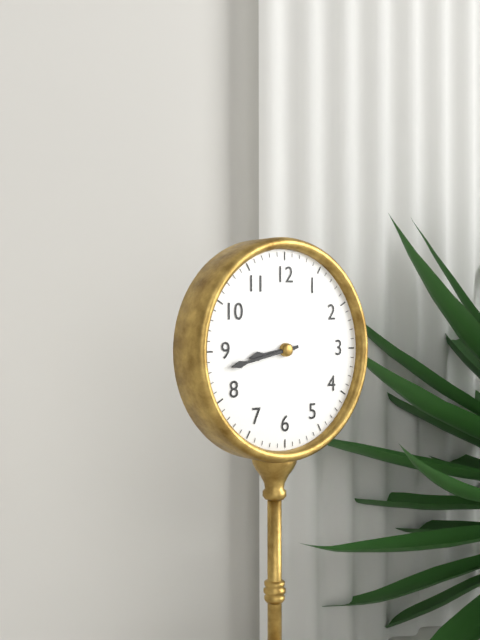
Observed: 8.43
